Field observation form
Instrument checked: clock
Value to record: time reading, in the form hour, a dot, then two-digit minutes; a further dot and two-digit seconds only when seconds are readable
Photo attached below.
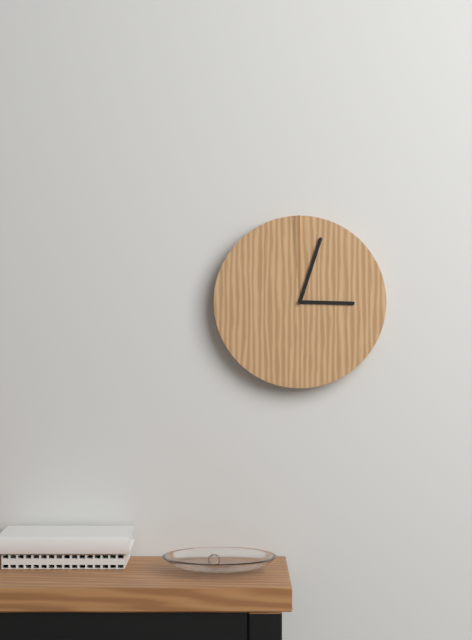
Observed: 3.03
